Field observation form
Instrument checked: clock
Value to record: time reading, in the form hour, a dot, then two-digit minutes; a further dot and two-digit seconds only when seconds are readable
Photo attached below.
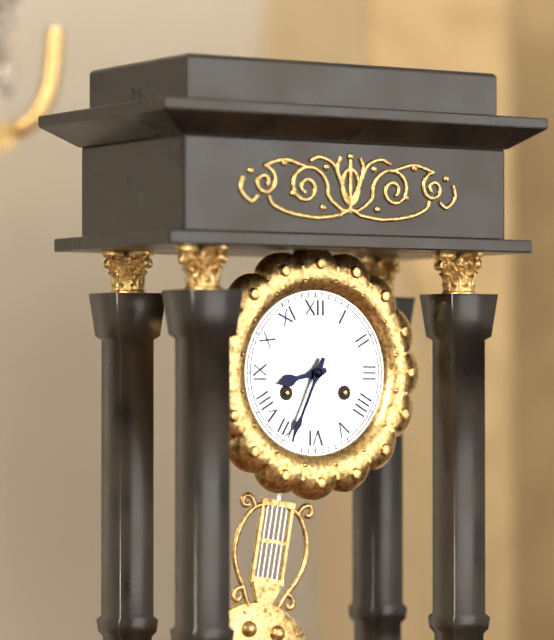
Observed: 8.34
